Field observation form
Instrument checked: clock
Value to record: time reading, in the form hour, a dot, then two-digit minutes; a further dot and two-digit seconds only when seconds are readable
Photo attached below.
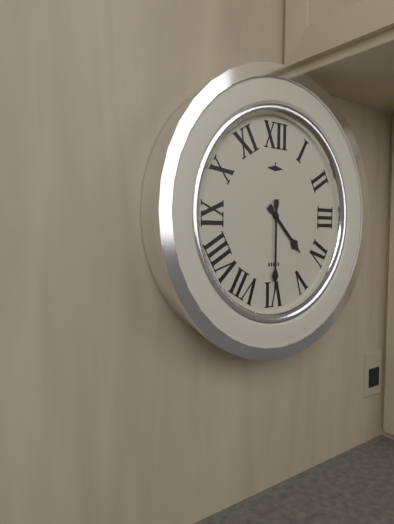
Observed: 4.30
